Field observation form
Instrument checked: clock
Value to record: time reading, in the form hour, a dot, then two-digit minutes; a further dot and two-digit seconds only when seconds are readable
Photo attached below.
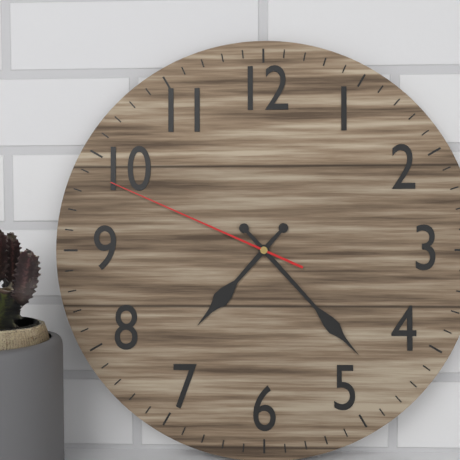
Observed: 7.23.49
